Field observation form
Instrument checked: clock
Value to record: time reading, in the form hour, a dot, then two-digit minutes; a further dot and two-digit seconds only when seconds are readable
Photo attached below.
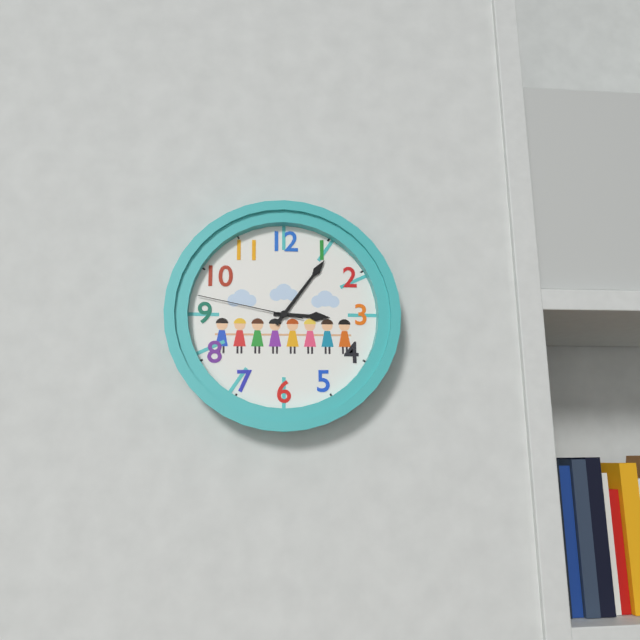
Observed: 3.06.47
